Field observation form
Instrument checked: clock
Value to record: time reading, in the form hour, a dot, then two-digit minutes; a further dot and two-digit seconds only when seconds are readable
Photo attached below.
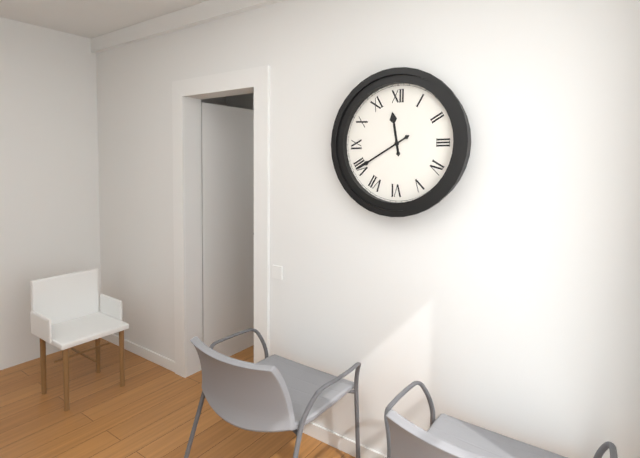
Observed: 11.40
